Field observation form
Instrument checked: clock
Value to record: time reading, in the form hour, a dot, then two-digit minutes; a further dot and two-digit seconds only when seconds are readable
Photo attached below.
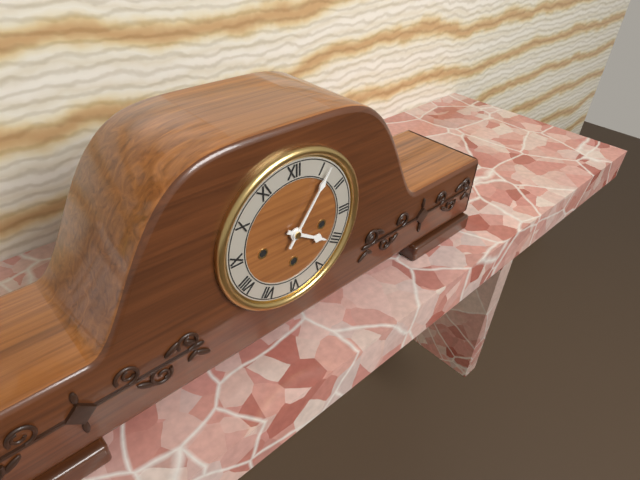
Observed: 4.06
